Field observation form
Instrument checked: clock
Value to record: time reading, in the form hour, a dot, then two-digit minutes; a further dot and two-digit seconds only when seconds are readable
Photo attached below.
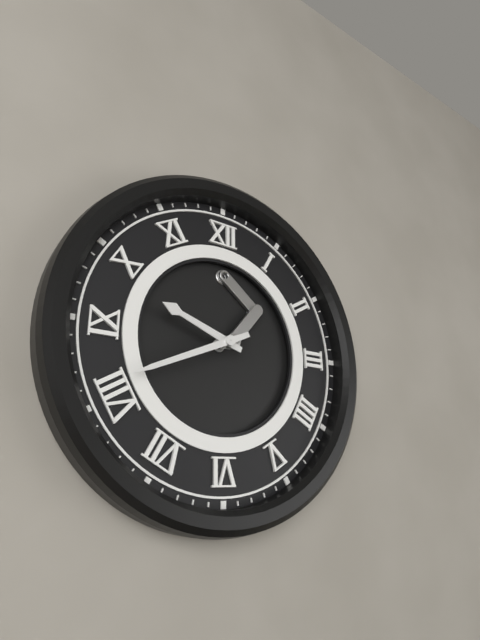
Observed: 9.41
